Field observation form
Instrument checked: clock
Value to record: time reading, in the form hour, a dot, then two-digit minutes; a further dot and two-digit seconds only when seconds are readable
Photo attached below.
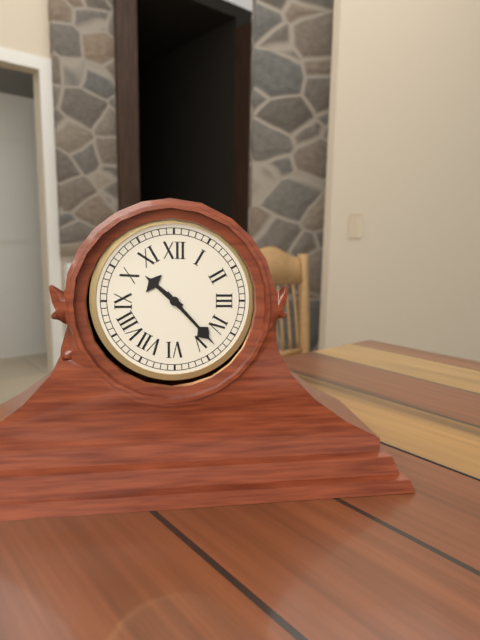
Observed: 10.23
